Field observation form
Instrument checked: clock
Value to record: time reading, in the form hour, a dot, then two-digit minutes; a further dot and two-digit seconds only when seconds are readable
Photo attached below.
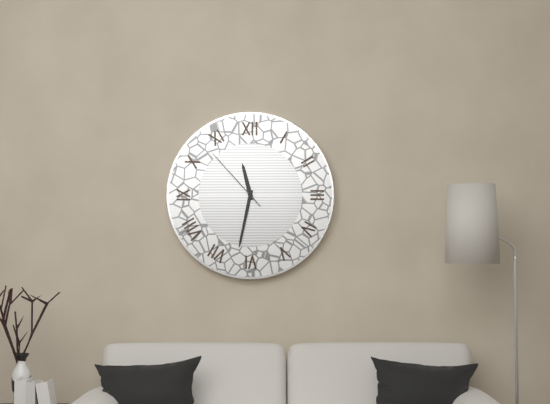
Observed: 11.32.53
